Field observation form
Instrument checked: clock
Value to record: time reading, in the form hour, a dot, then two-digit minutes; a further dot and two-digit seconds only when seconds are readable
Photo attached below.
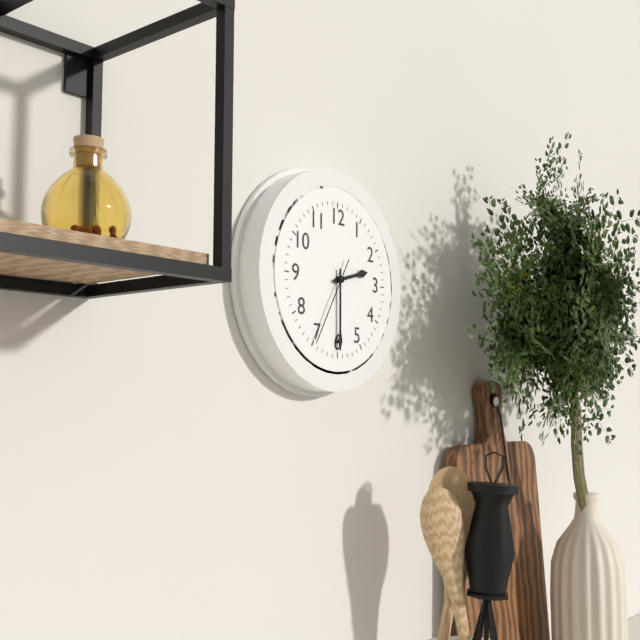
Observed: 2.30.35
